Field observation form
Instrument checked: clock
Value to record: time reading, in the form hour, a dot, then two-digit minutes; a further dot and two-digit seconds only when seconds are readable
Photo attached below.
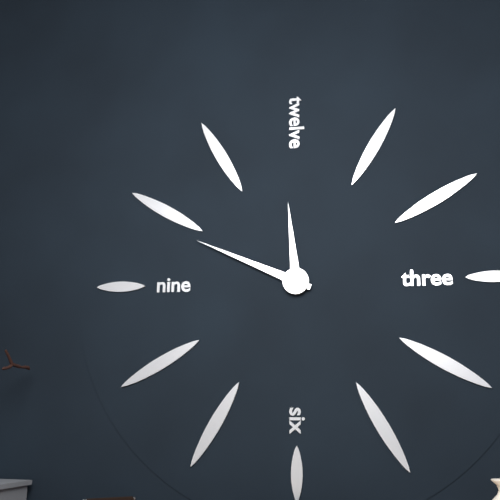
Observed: 11.49
